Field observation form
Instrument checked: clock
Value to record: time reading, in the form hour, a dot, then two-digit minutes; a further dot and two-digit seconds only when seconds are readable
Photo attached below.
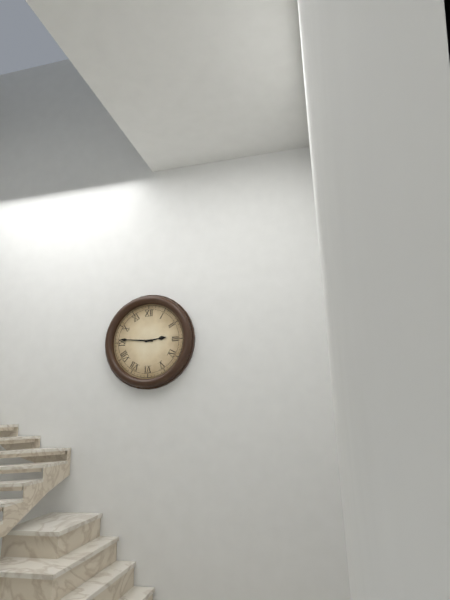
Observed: 2.46
